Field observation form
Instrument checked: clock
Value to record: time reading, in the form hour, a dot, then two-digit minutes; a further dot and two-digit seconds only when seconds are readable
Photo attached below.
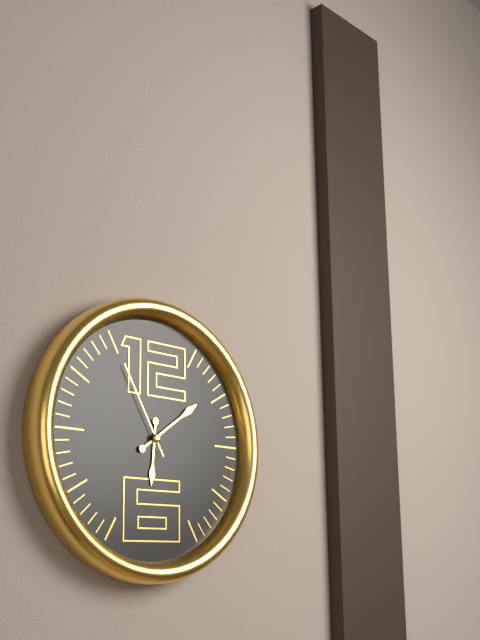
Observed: 6.09.55
